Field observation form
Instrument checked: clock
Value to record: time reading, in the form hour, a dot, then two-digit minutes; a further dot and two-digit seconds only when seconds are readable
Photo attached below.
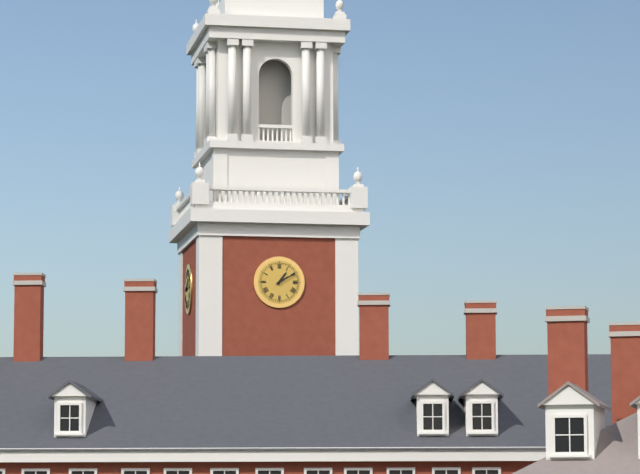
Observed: 1.10
